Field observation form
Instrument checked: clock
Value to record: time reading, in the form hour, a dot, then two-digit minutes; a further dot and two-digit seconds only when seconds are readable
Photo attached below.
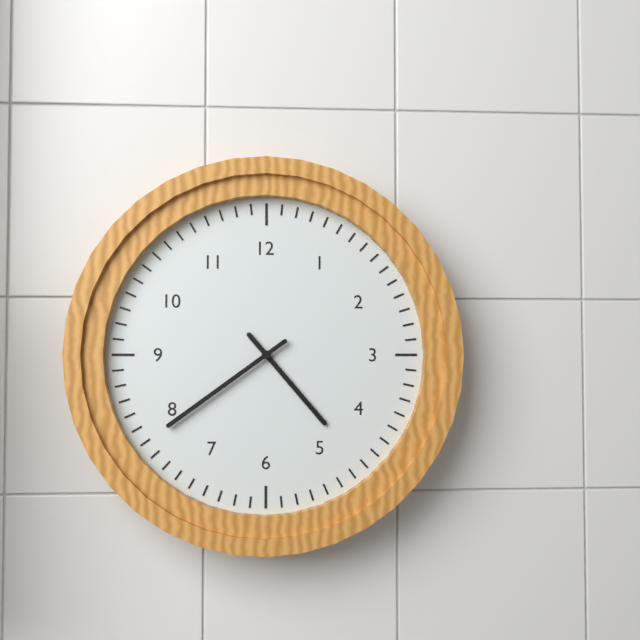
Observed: 4.39
